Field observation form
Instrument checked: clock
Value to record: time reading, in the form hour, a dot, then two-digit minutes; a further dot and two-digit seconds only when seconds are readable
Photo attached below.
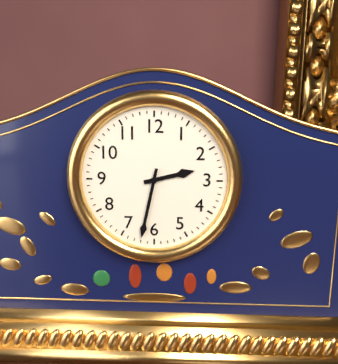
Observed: 2.32
